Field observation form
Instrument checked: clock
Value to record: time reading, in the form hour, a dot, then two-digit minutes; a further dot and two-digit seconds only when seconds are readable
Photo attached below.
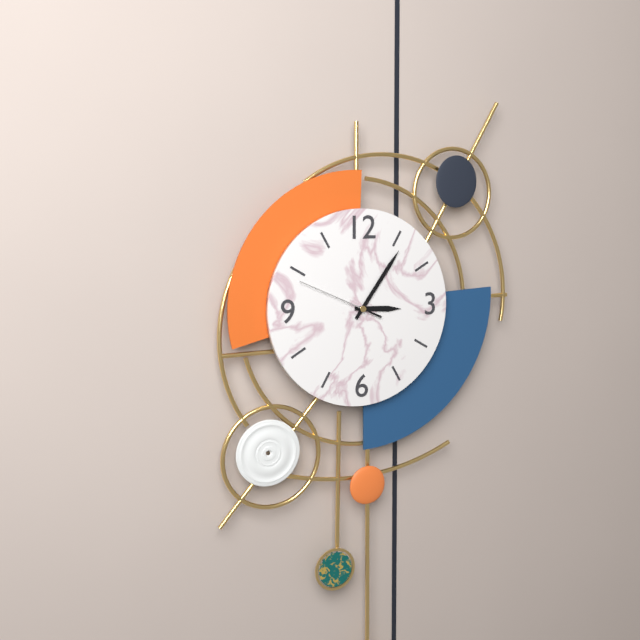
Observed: 3.06.49
